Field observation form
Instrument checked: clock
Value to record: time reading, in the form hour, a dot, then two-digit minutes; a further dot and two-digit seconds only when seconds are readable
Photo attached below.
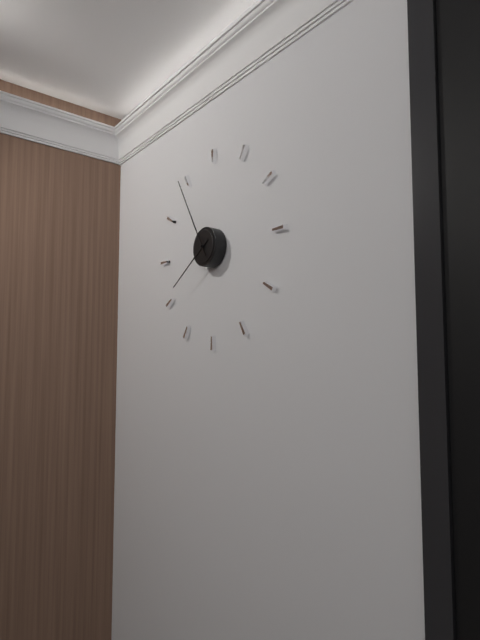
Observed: 7.55
